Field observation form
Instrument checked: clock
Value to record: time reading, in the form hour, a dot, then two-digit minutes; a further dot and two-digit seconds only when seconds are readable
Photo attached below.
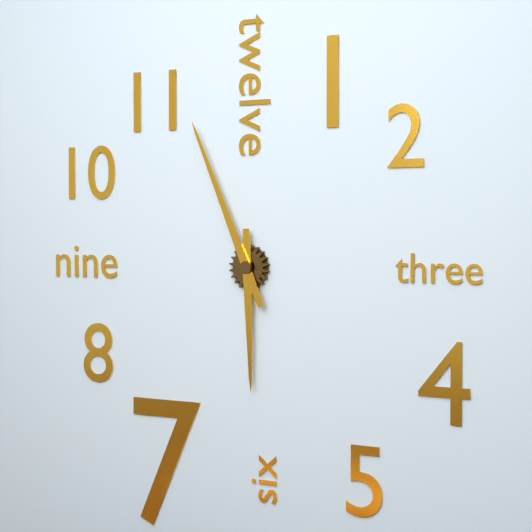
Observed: 5.56
